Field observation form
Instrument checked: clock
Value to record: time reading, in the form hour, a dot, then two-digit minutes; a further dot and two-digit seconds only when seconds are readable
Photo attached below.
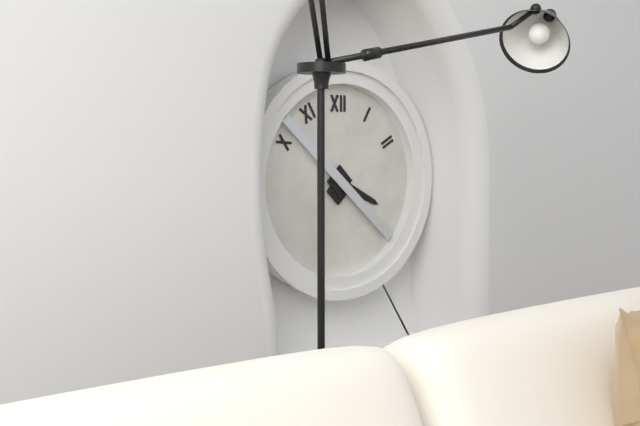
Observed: 3.52
